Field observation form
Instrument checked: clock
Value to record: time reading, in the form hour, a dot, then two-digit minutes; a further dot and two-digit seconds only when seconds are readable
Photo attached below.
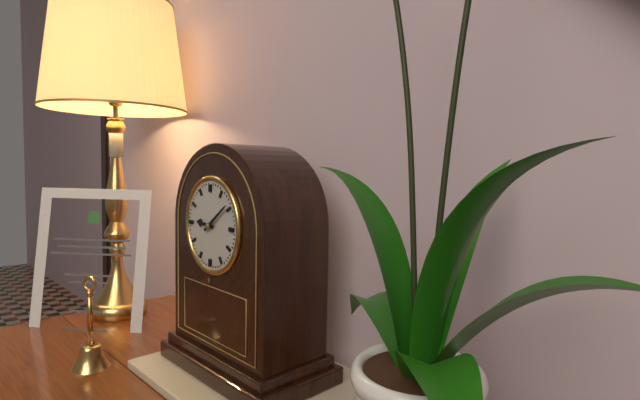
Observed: 9.09
